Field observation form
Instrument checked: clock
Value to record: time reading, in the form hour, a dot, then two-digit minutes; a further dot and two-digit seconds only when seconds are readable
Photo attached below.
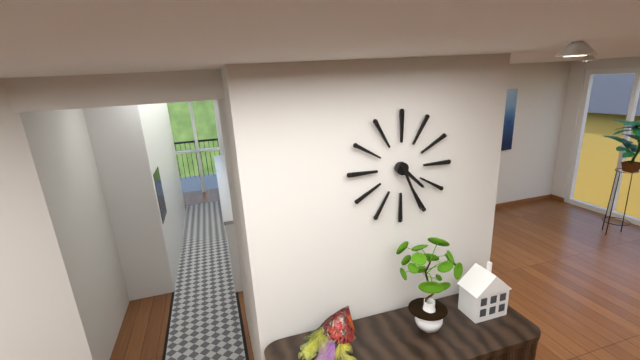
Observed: 4.26
